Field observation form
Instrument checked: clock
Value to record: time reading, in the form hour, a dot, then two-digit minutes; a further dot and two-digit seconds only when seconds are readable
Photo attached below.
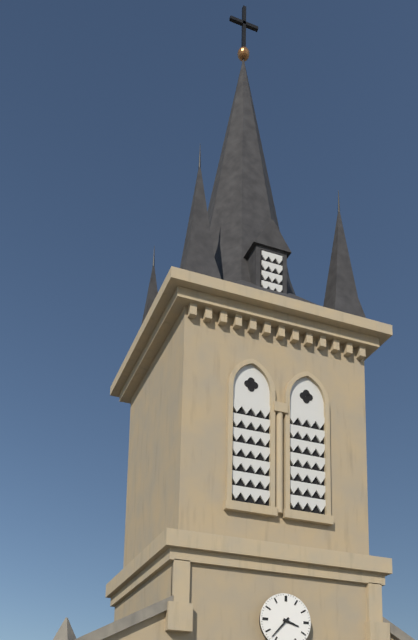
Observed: 3.37
